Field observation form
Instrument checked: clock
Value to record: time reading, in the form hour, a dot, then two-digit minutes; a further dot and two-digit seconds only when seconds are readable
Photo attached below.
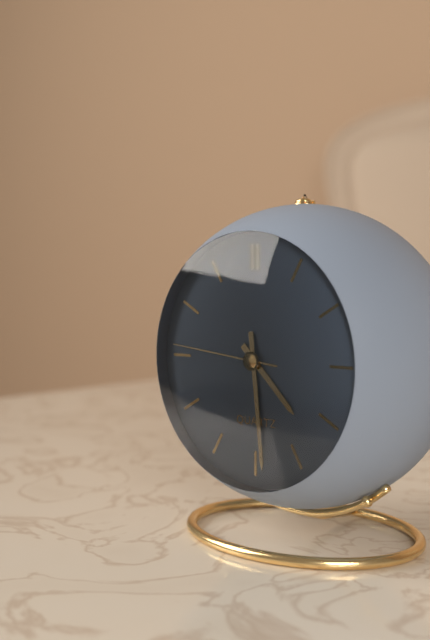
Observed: 4.29.46
